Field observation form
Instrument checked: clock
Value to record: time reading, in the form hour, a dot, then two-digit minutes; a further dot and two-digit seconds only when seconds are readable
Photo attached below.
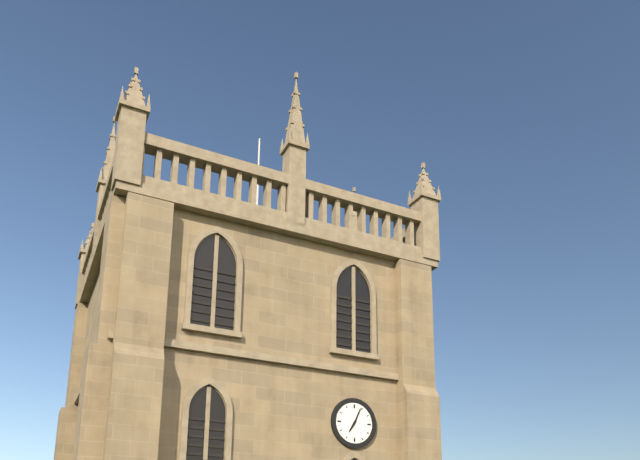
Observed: 7.04
